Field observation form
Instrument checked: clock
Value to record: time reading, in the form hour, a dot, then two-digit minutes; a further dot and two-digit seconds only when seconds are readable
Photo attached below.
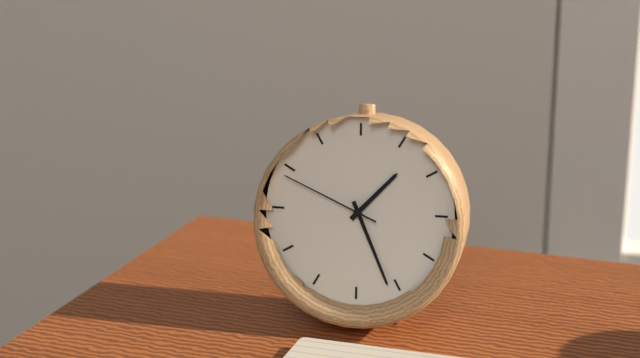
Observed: 1.26.49
